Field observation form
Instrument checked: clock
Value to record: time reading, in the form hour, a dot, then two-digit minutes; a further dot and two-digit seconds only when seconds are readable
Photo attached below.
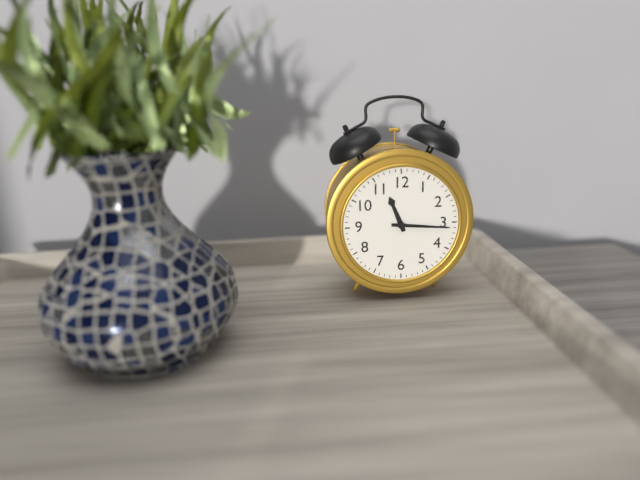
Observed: 11.16
